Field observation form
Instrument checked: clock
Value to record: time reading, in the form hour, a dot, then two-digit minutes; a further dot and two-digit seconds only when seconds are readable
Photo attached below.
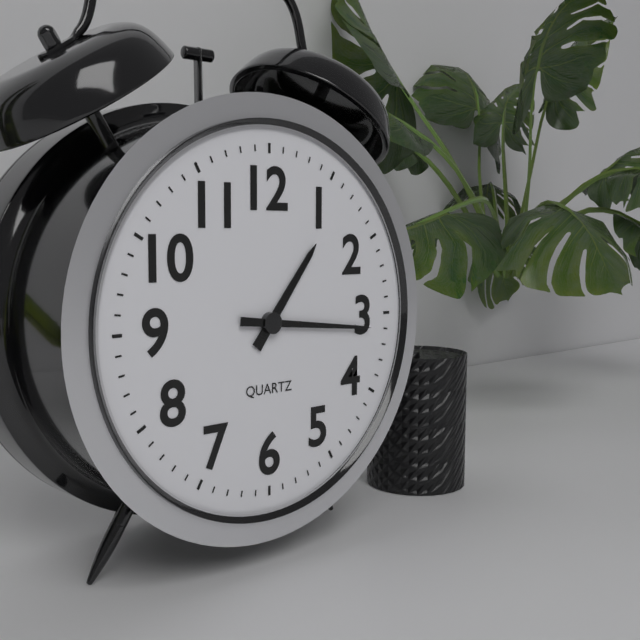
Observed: 1.16
